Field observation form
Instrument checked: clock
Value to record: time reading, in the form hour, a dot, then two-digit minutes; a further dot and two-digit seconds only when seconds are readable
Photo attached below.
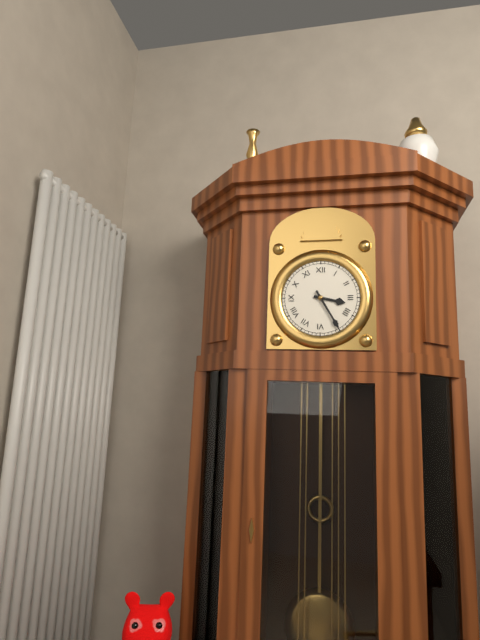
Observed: 3.25
